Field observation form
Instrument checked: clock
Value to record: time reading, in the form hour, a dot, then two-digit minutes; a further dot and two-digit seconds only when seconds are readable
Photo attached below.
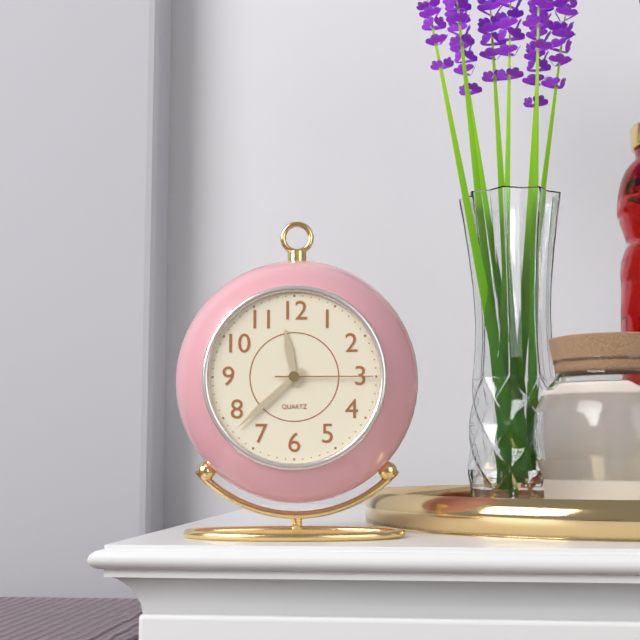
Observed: 11.38.15
